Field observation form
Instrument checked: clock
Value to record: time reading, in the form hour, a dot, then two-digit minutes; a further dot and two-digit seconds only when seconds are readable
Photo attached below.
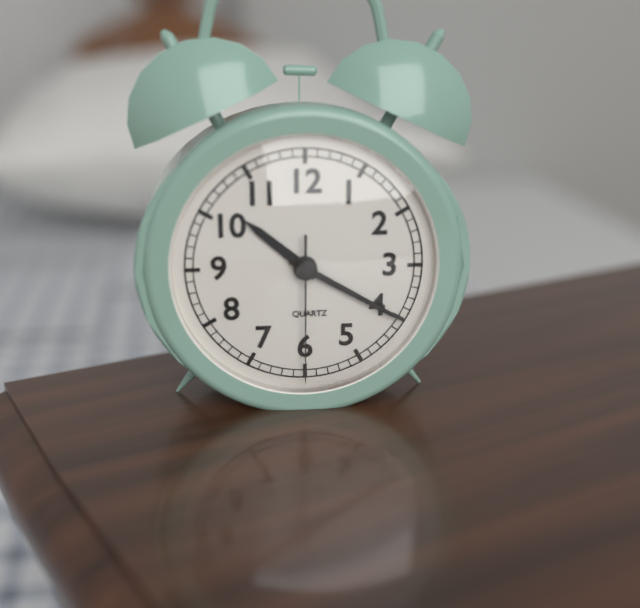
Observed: 10.20.30
